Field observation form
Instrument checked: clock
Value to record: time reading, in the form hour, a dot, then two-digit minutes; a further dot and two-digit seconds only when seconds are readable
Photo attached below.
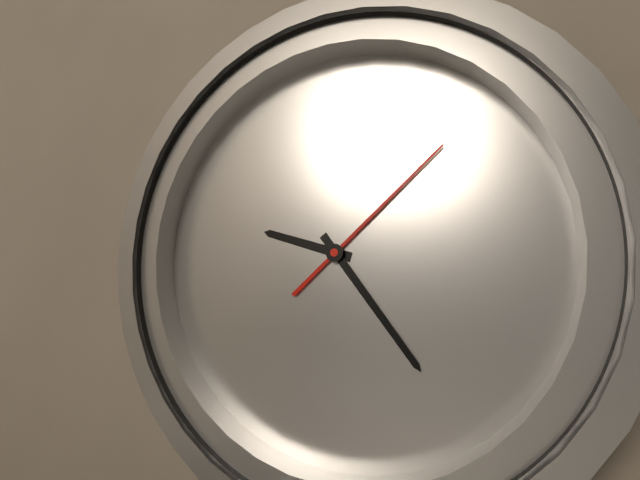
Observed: 9.23.07
